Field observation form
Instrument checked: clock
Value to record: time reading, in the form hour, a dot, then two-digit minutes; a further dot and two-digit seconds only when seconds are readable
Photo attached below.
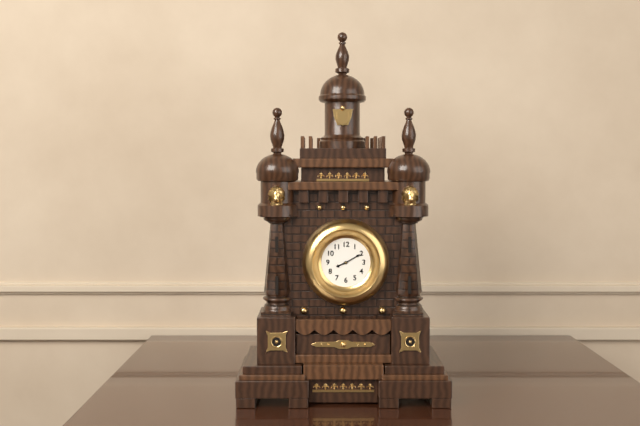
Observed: 8.10
